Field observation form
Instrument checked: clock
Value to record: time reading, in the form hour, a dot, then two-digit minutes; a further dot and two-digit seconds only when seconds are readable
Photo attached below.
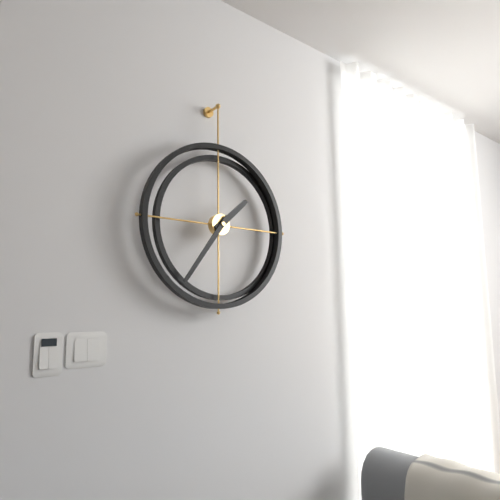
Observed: 1.36
